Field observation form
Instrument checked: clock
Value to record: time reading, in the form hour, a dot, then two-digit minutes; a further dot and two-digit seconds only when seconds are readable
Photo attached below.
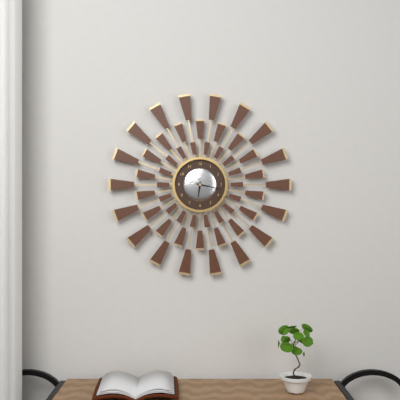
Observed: 6.17
